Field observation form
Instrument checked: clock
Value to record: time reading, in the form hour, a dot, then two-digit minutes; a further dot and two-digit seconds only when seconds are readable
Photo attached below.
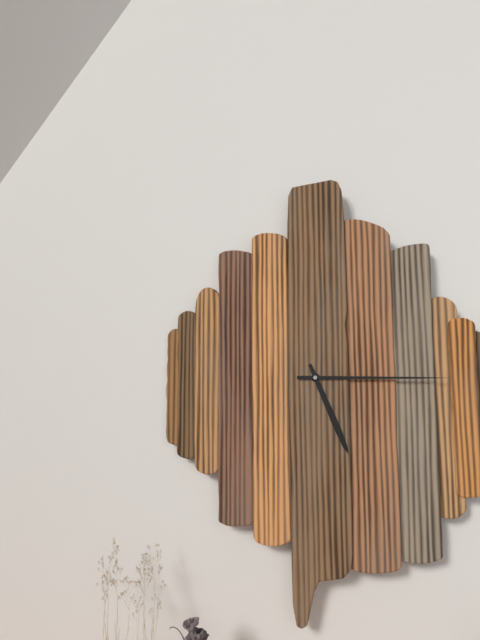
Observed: 5.15
